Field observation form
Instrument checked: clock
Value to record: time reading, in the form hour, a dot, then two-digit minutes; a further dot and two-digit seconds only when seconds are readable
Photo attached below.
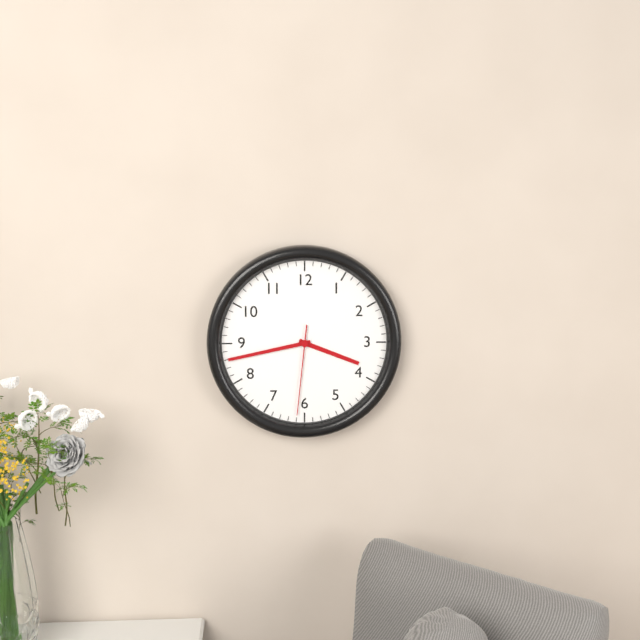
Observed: 3.43.31
